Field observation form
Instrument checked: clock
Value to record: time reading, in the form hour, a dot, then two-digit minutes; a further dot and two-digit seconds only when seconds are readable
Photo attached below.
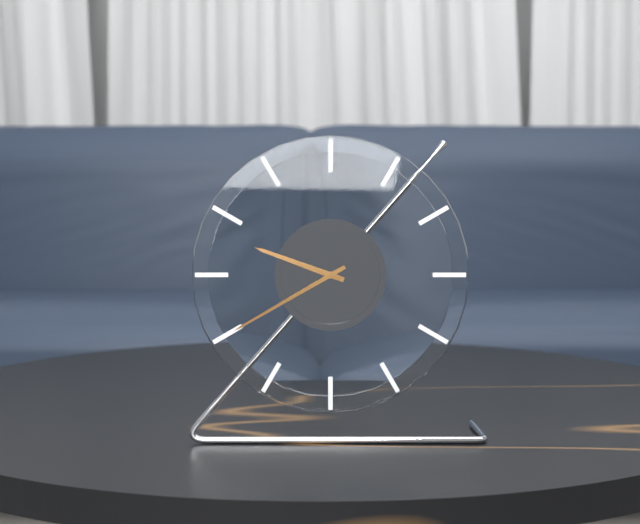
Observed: 9.40
